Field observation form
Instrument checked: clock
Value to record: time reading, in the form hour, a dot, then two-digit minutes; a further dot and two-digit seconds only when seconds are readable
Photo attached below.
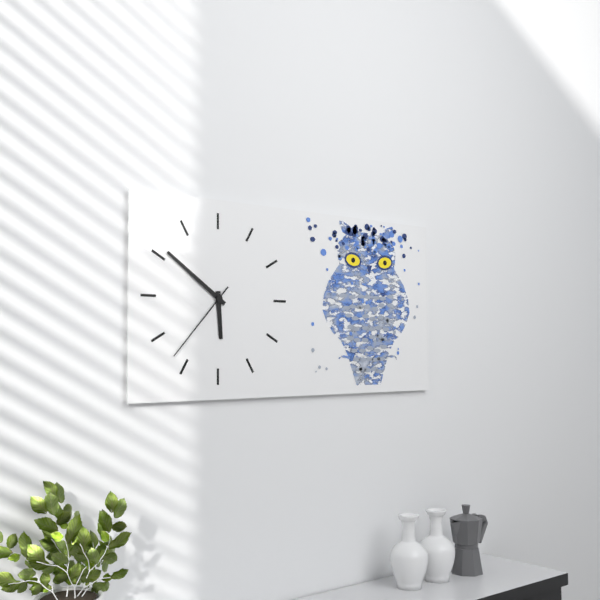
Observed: 5.51.37
